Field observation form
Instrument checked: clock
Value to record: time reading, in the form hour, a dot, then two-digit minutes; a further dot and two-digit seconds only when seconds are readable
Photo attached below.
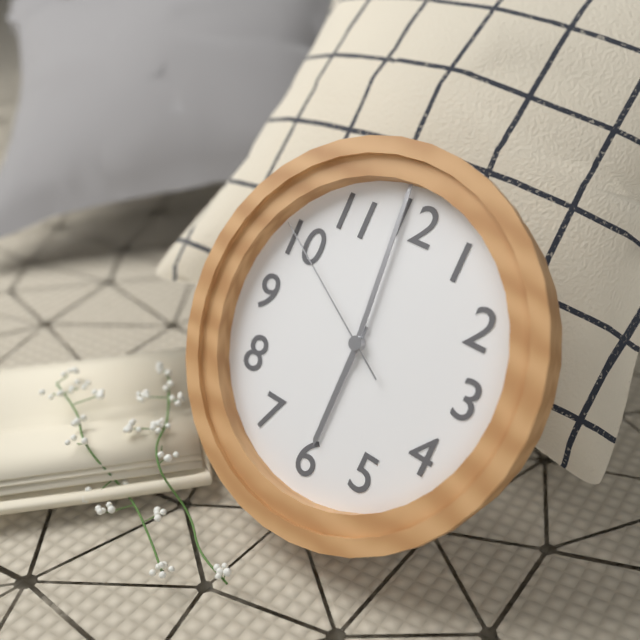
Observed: 5.59.50
